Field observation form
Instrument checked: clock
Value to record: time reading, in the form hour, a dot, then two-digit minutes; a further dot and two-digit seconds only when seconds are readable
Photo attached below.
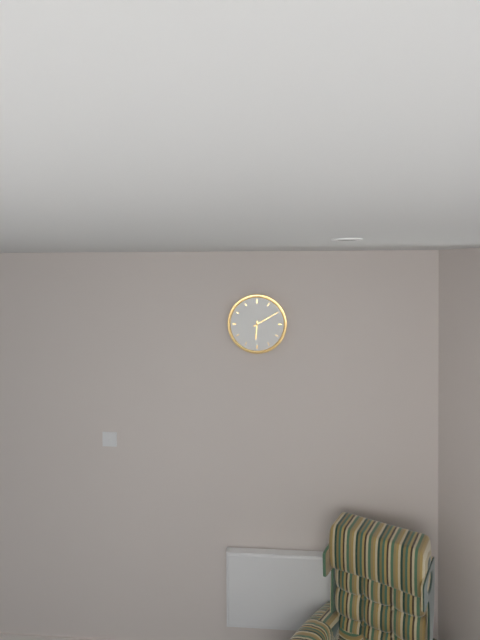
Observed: 6.10
